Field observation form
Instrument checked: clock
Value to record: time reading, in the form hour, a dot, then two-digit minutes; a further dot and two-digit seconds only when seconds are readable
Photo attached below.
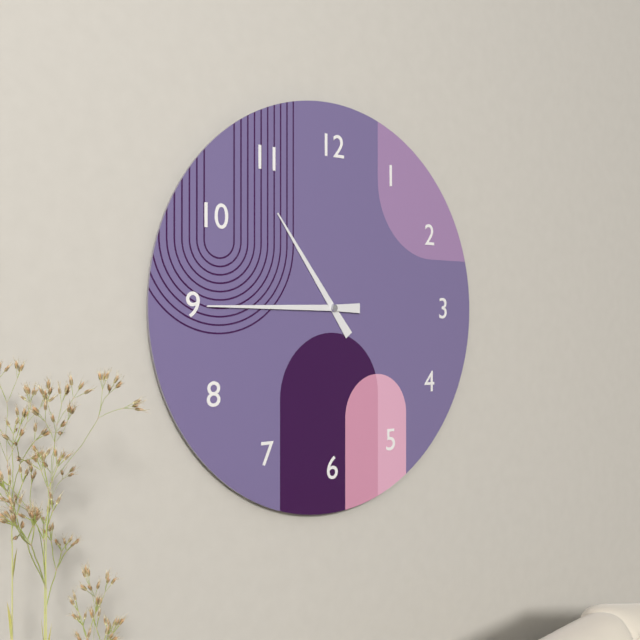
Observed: 10.45
